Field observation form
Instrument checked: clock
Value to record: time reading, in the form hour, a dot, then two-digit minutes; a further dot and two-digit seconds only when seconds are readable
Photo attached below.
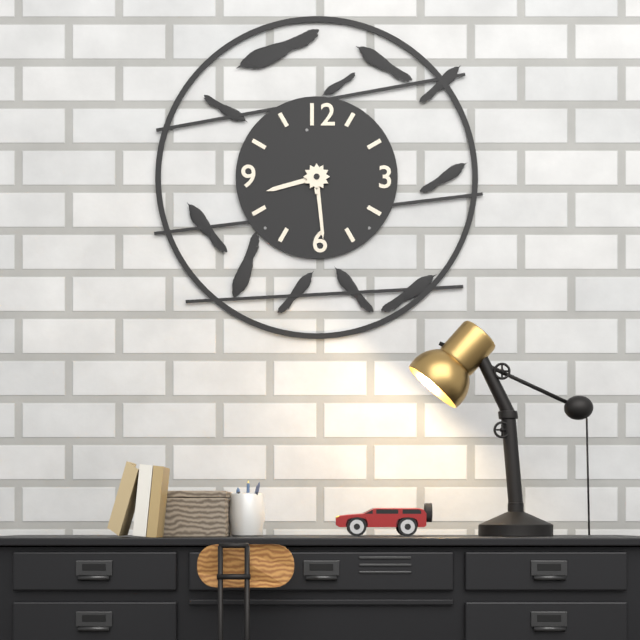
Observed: 8.29
